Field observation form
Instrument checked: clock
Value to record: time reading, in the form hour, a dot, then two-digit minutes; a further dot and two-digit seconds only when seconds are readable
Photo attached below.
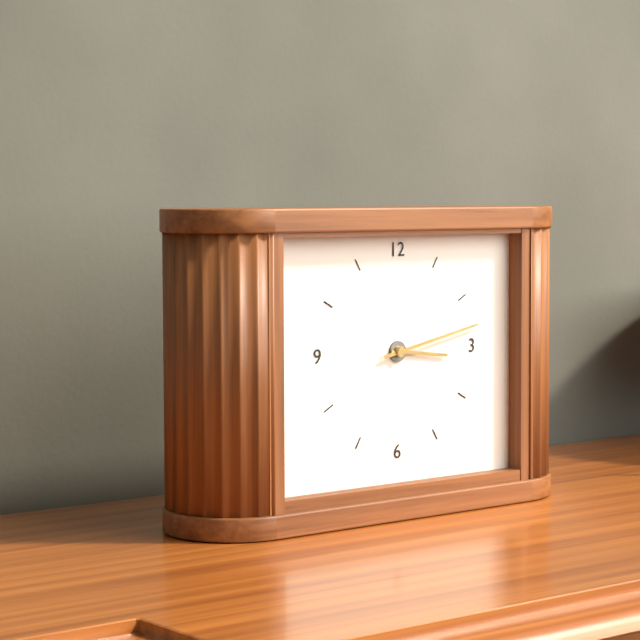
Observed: 3.13
